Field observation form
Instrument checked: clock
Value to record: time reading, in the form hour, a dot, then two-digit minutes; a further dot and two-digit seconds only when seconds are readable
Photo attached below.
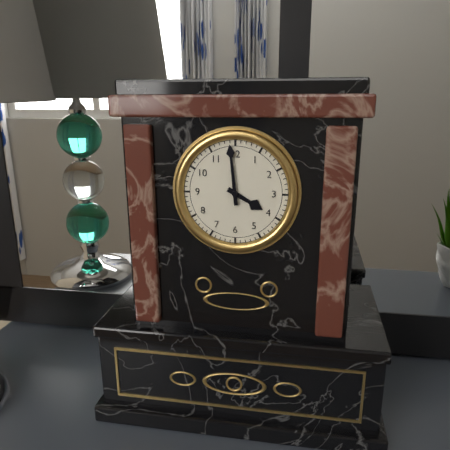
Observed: 3.59
